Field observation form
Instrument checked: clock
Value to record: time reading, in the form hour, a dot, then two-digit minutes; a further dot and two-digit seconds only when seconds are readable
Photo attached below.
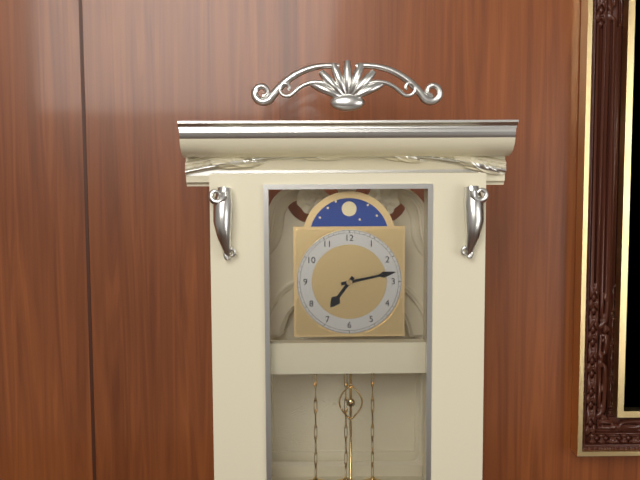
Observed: 7.13
